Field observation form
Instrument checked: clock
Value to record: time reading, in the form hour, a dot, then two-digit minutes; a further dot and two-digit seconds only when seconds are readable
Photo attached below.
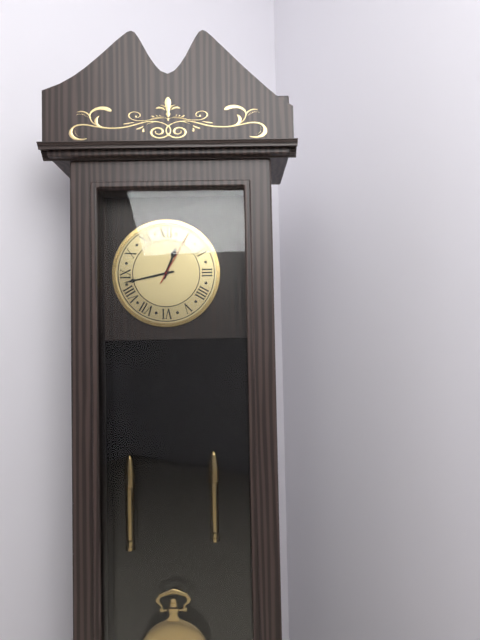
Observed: 12.43.05
